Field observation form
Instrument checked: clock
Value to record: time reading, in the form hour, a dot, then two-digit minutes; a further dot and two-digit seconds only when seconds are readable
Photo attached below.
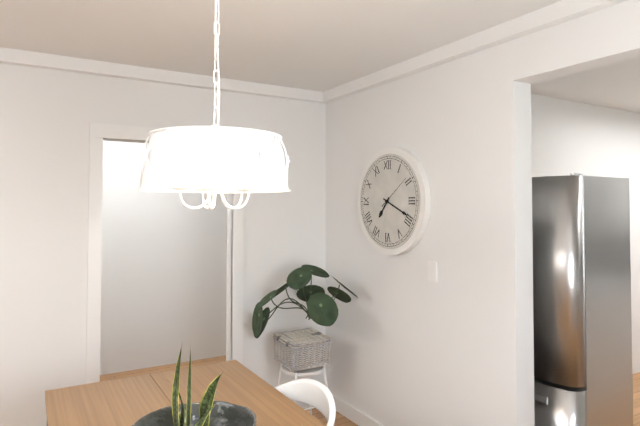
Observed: 7.19
